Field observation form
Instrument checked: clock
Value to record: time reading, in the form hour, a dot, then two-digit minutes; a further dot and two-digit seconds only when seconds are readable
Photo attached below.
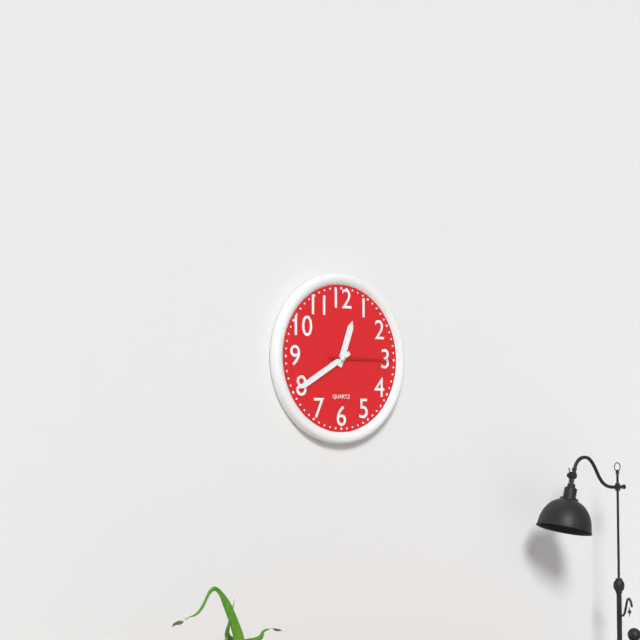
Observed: 12.40.15
